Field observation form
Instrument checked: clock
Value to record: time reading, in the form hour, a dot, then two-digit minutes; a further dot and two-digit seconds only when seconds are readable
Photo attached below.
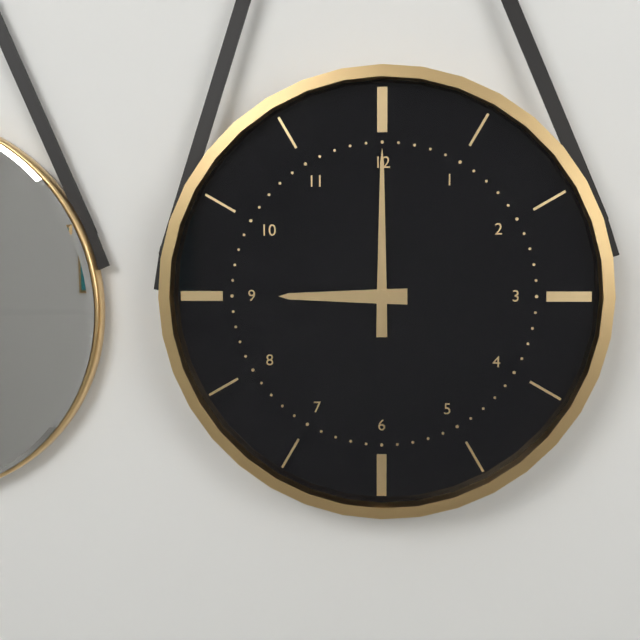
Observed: 9.00
